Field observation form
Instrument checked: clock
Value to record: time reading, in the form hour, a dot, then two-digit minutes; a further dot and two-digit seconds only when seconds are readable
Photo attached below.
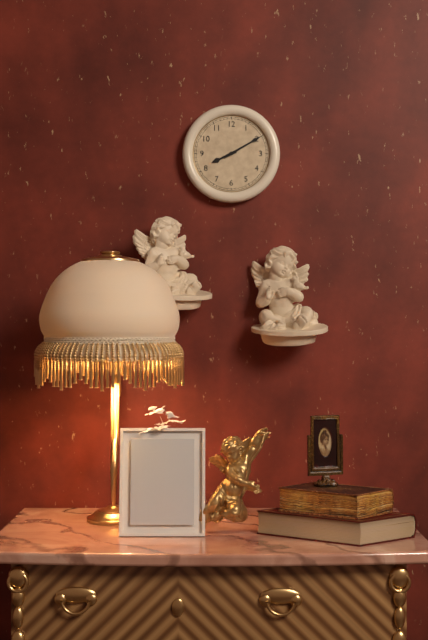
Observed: 8.10
